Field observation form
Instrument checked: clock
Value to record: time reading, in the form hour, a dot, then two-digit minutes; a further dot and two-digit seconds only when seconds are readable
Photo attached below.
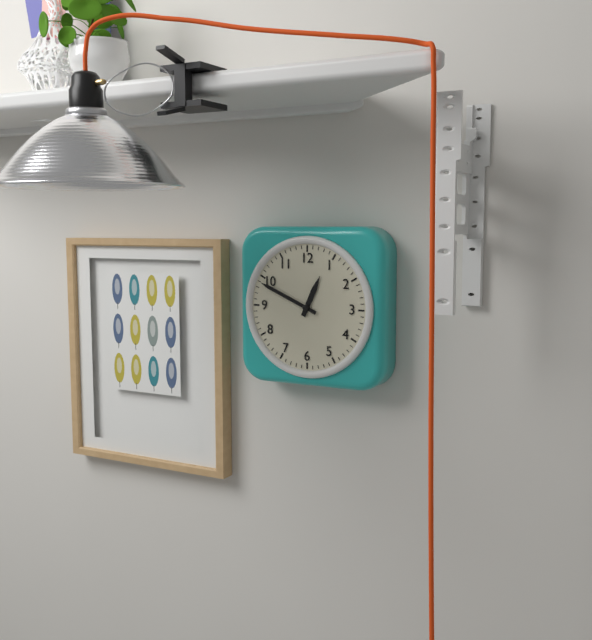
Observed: 12.49
